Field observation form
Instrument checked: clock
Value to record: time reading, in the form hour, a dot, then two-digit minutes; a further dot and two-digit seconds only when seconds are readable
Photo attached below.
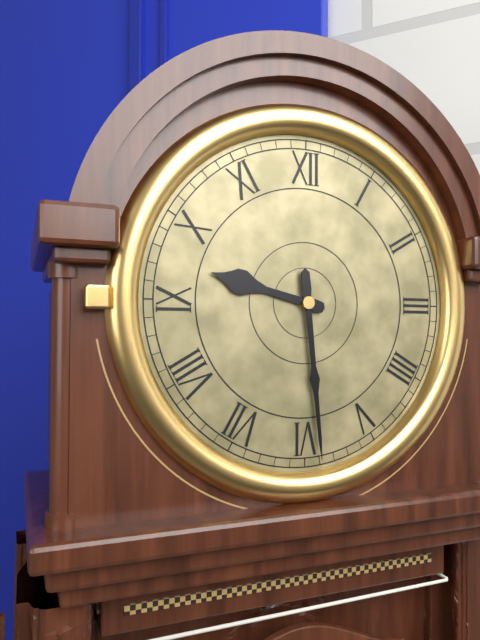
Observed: 9.29
